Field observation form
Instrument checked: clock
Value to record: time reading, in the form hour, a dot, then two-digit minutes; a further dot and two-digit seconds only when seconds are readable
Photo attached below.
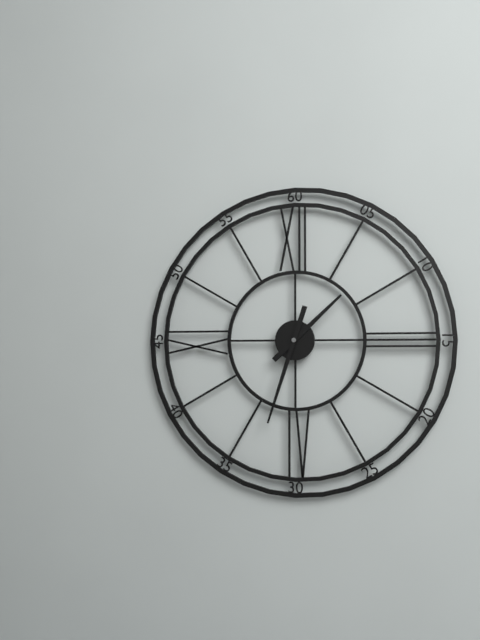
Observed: 1.33
